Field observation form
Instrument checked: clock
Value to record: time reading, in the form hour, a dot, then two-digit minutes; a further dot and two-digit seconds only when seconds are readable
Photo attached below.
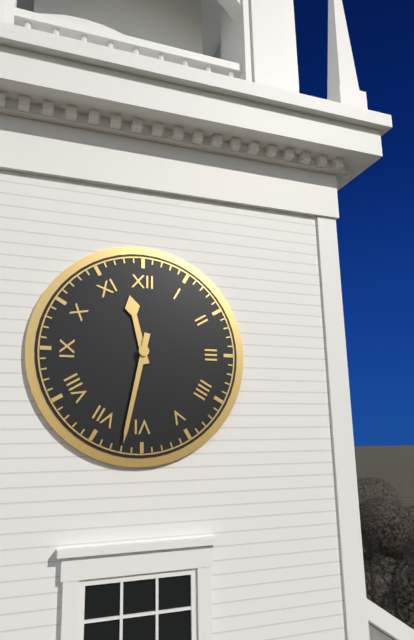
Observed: 11.32
